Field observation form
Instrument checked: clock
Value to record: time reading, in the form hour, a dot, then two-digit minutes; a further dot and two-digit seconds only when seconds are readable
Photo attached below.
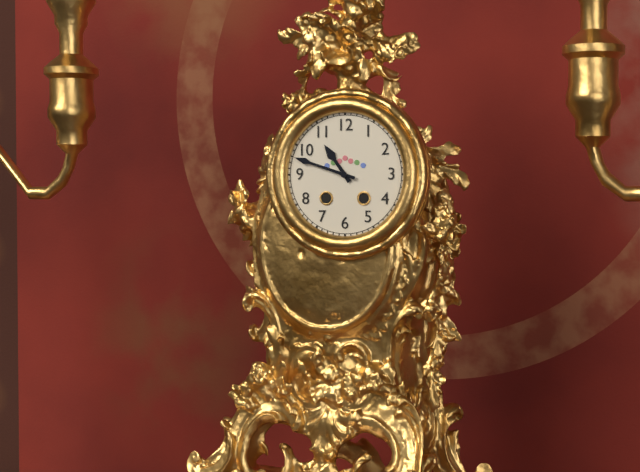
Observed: 10.48
